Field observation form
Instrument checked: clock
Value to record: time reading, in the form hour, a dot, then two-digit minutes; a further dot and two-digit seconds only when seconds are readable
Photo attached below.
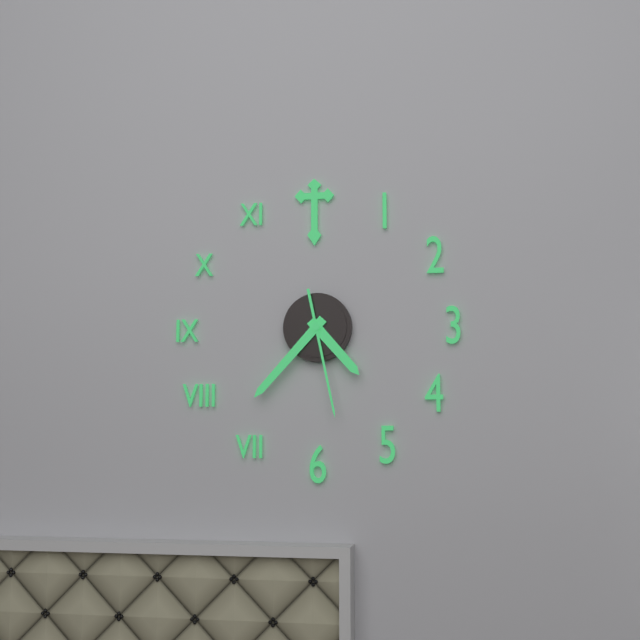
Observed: 4.37.28
